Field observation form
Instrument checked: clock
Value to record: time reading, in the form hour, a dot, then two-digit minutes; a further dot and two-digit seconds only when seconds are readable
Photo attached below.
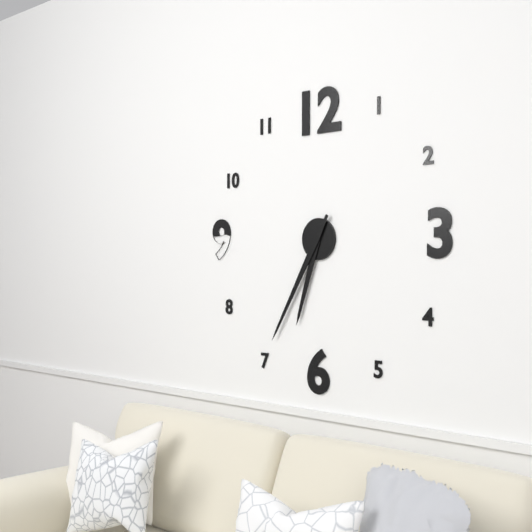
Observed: 6.35
